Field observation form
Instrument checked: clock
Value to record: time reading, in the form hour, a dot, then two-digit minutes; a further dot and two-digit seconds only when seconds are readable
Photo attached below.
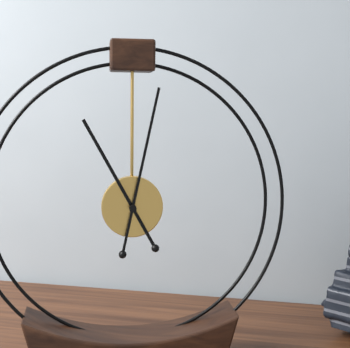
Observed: 11.02
